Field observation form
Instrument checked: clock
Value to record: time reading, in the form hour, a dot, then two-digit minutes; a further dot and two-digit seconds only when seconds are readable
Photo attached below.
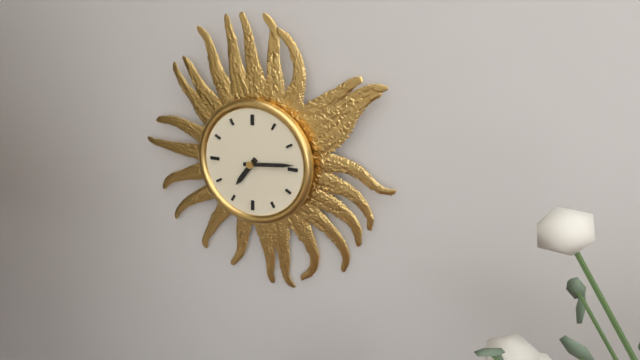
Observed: 7.14
